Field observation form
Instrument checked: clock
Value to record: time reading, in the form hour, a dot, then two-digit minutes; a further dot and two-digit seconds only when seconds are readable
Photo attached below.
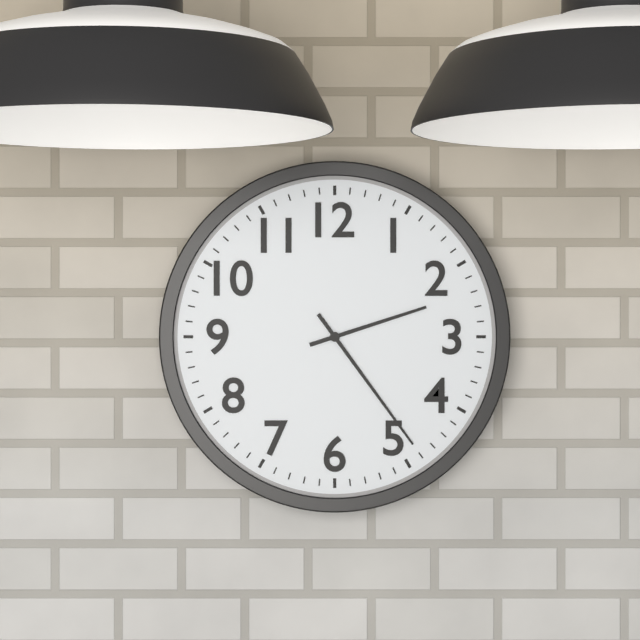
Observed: 2.24
